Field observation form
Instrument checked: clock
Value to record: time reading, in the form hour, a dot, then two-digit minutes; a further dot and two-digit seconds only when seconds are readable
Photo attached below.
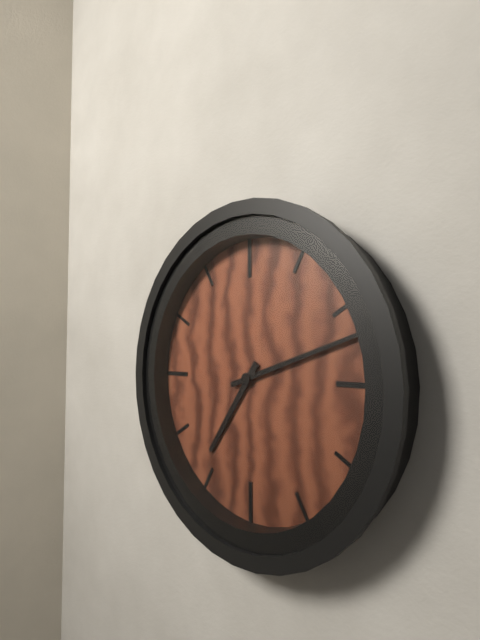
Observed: 7.12
